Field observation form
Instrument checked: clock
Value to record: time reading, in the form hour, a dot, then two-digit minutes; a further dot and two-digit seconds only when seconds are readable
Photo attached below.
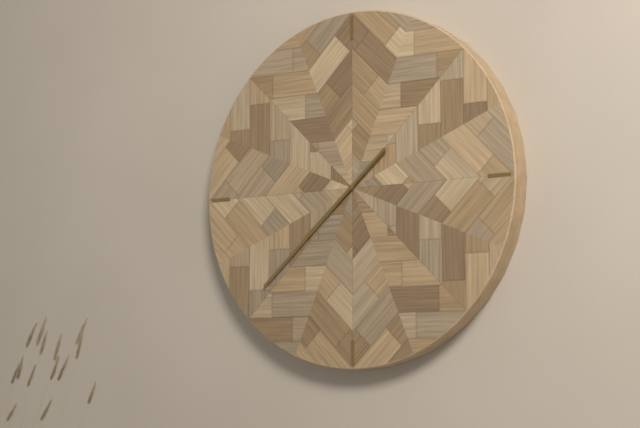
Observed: 7.38
